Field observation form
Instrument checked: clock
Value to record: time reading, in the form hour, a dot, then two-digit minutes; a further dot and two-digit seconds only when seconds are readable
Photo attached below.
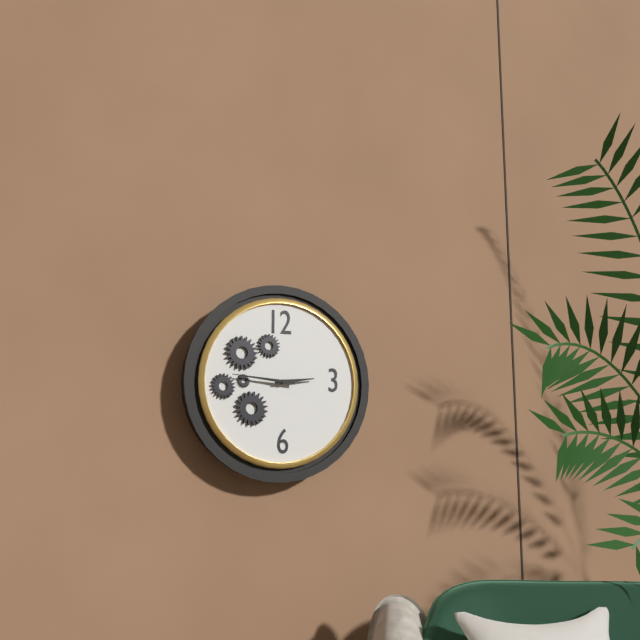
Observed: 2.46
